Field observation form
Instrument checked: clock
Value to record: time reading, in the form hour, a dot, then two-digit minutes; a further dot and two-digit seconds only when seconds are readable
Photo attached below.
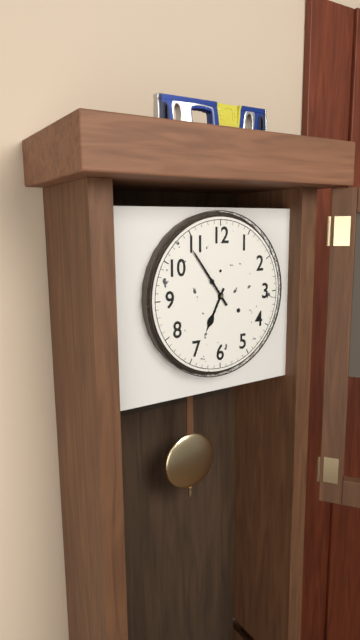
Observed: 6.54
